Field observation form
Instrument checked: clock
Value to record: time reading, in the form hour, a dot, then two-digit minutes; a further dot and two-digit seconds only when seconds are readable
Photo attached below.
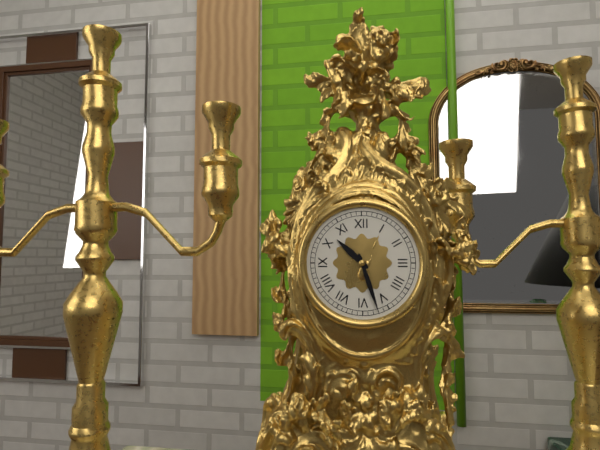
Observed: 10.27
